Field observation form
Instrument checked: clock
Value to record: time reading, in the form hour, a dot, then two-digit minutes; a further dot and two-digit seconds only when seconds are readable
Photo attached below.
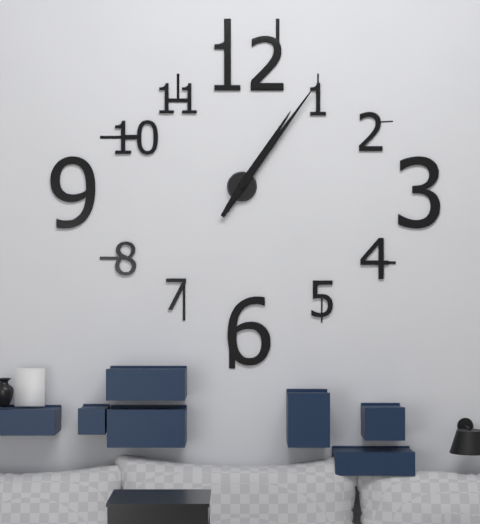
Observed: 1.06
